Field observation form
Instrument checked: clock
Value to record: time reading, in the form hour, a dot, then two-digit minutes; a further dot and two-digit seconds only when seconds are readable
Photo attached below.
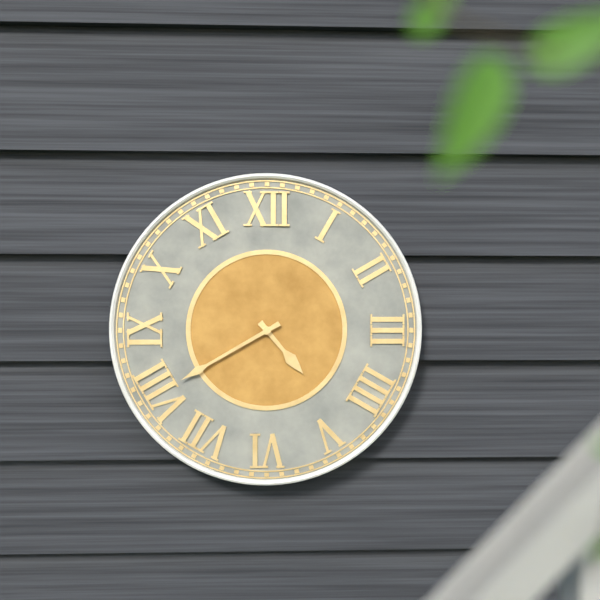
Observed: 4.40
